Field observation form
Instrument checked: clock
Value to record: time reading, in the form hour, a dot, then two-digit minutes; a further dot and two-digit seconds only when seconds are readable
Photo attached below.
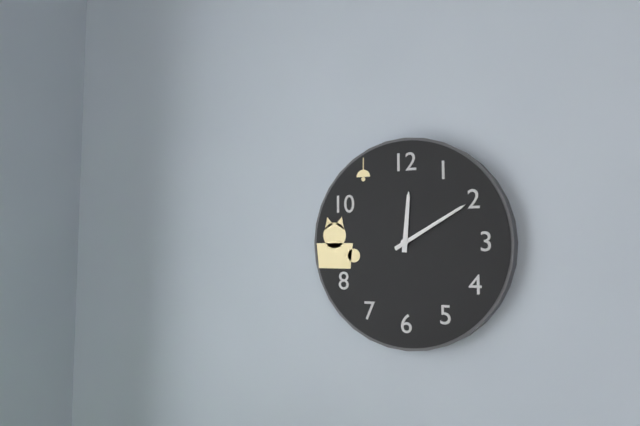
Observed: 12.10
